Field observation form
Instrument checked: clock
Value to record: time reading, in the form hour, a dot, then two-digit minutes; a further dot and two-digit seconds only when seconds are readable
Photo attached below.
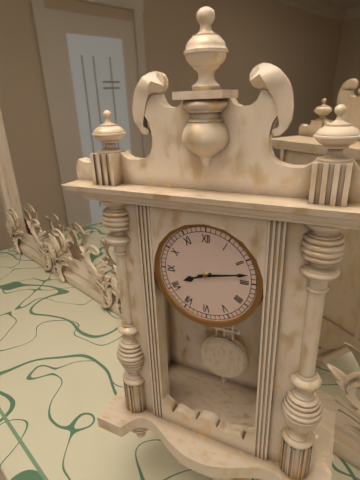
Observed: 8.13
